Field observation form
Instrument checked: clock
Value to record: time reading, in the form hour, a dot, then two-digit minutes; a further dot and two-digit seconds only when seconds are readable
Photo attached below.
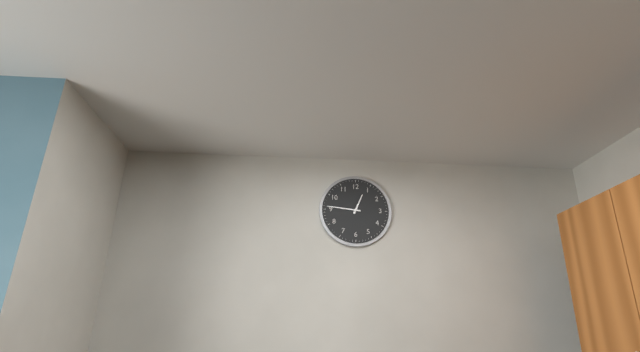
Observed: 12.46
